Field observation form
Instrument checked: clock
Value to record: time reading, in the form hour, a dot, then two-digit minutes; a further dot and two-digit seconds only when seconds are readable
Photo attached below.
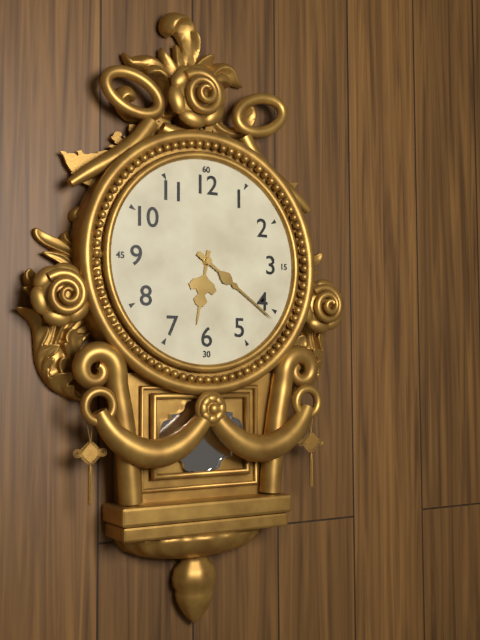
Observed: 6.21
